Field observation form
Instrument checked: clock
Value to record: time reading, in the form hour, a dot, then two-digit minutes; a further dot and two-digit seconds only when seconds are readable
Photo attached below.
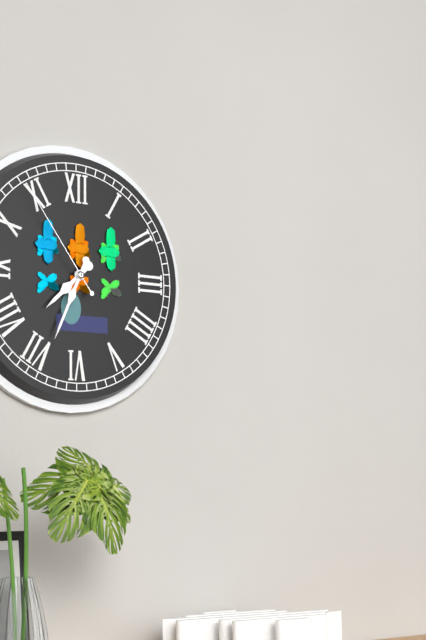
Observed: 7.34.54
